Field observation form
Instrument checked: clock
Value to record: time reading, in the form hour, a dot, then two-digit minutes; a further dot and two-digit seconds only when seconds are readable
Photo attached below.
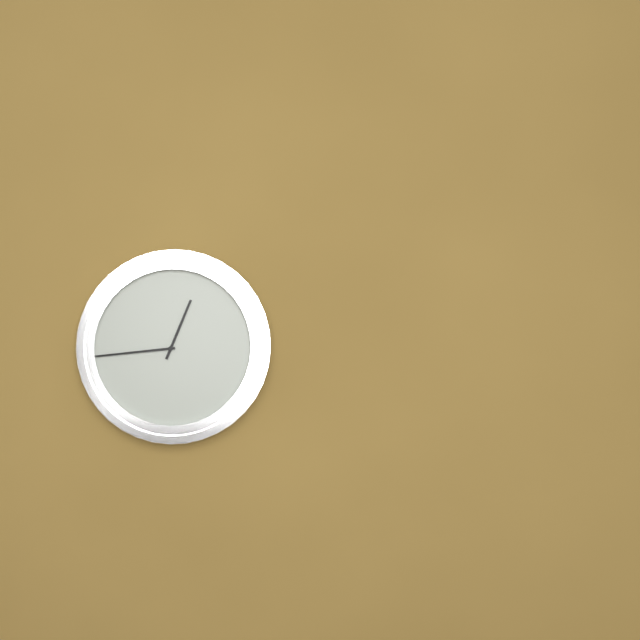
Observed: 12.44
